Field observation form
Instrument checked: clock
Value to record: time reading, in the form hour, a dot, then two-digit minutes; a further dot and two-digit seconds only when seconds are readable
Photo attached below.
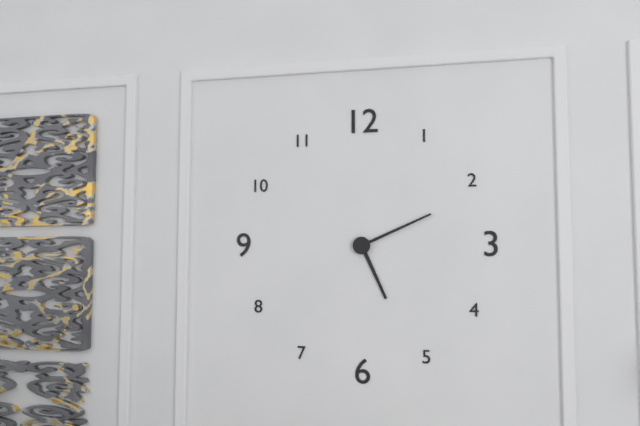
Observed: 5.11
